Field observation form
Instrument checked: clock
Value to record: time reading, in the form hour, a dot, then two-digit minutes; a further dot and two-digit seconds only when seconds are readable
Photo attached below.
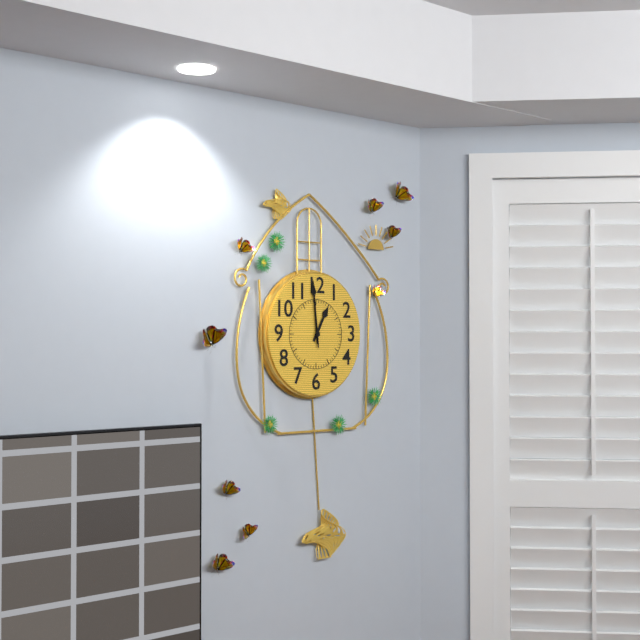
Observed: 12.59.59
